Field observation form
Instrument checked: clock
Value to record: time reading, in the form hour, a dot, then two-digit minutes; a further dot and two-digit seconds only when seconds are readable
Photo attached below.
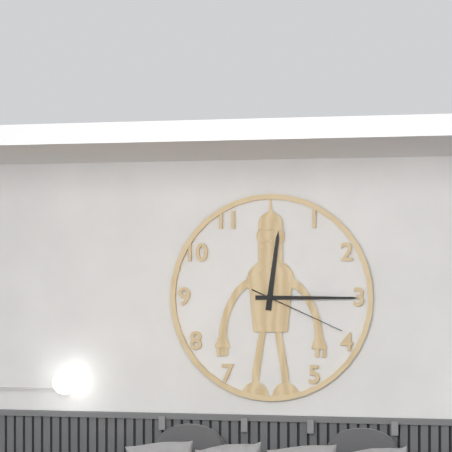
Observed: 12.15.19
